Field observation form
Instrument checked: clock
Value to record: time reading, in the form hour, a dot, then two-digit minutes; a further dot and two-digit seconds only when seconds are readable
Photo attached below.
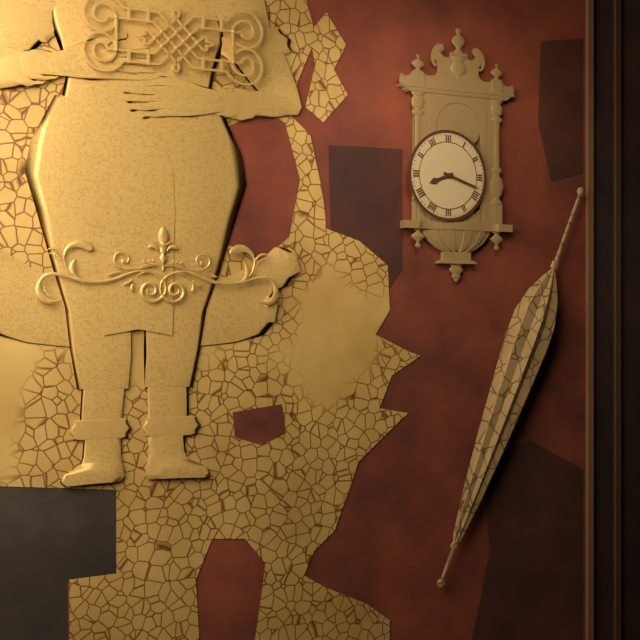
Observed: 8.18
